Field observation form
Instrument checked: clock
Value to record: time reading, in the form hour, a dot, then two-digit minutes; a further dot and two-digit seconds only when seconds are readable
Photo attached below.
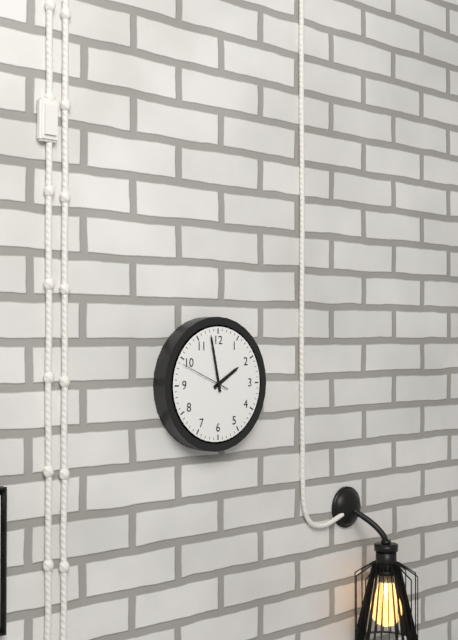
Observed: 1.58.49
